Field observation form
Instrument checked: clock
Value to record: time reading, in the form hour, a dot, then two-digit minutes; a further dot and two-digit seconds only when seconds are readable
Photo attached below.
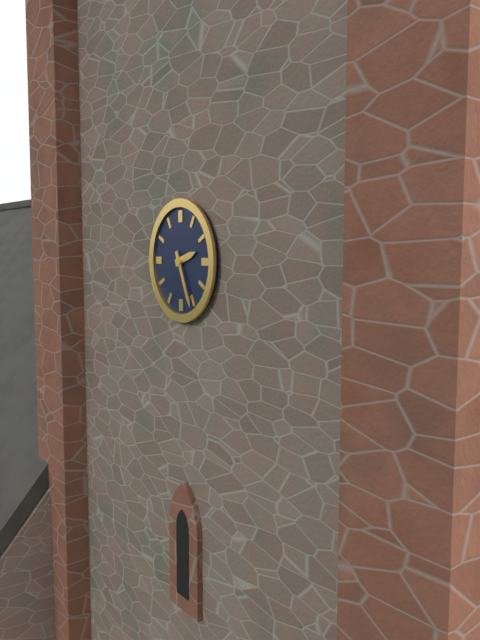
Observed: 2.26
